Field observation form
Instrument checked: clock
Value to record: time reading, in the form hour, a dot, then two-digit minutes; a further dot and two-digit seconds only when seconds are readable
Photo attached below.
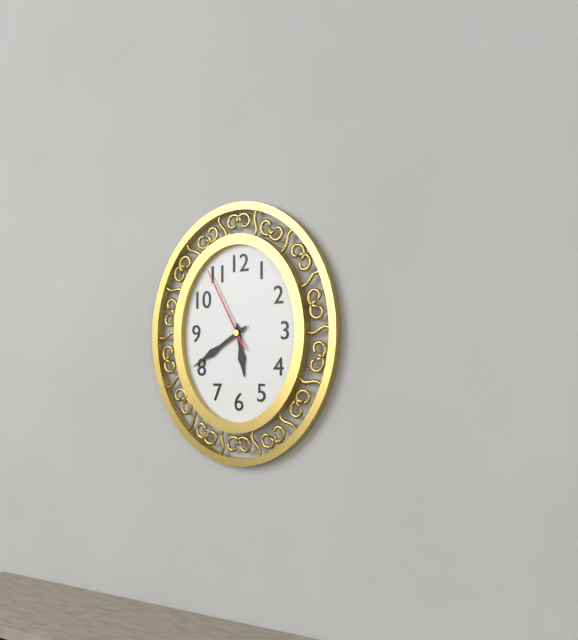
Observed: 5.40.55
